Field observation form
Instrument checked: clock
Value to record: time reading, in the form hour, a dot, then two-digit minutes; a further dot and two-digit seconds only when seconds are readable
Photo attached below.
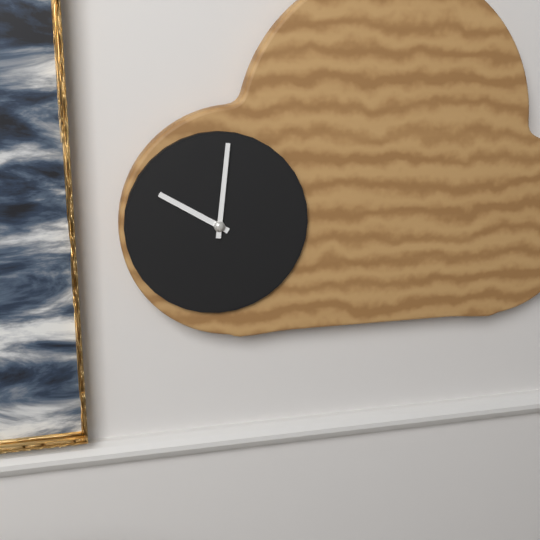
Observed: 10.01
